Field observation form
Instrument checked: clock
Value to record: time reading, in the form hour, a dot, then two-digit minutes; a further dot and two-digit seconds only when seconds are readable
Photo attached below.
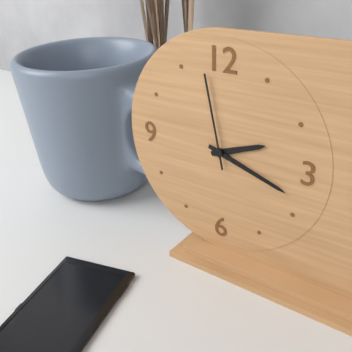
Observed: 2.18.58
